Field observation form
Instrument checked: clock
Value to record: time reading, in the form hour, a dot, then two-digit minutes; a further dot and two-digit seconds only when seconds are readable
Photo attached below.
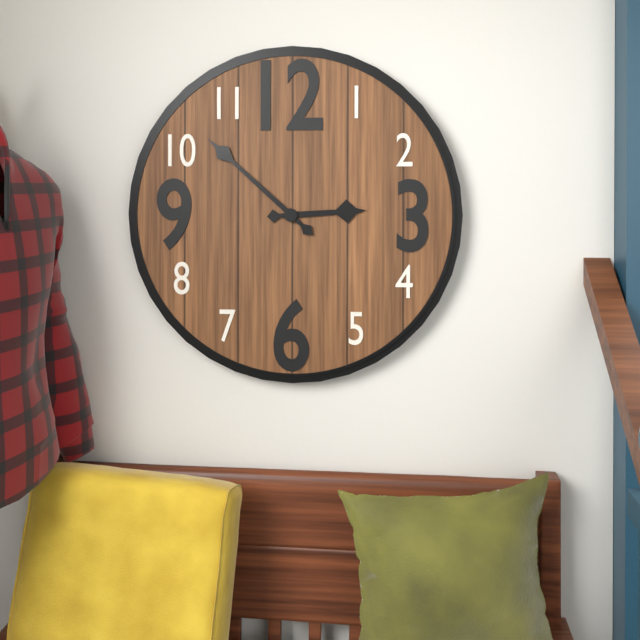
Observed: 2.52
